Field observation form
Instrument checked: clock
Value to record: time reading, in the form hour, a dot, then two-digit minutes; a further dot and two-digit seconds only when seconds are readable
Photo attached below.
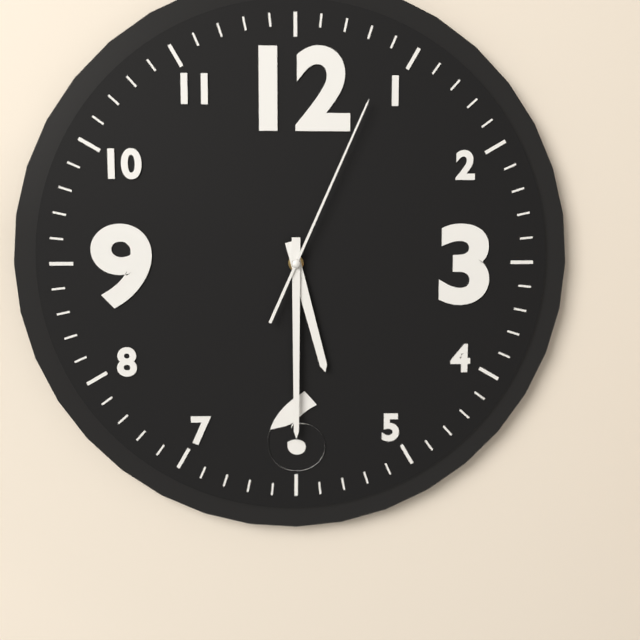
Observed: 5.30.04
